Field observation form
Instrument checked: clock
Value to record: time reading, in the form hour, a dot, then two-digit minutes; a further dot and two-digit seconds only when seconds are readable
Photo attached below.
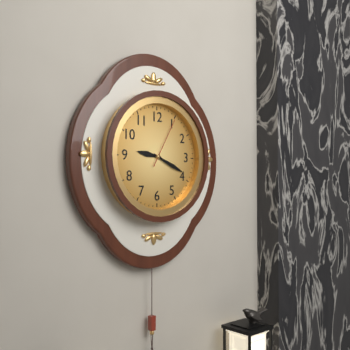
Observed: 9.19.05
